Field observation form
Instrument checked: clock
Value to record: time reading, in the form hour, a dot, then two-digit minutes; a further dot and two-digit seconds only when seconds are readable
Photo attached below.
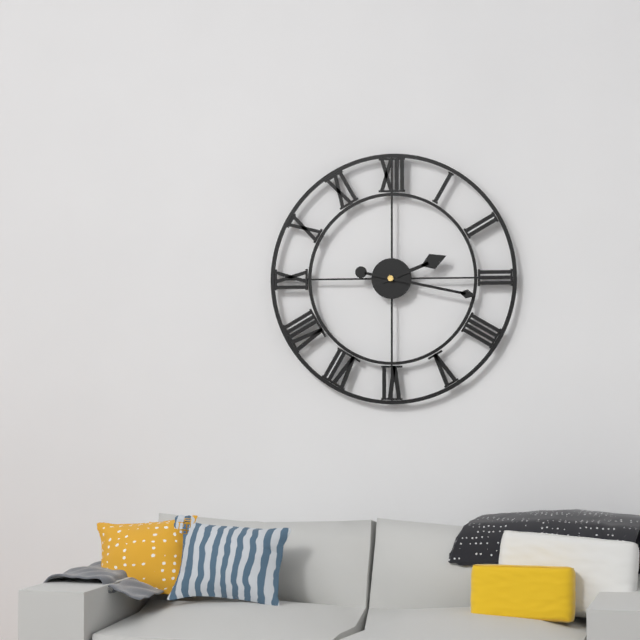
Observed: 2.17
